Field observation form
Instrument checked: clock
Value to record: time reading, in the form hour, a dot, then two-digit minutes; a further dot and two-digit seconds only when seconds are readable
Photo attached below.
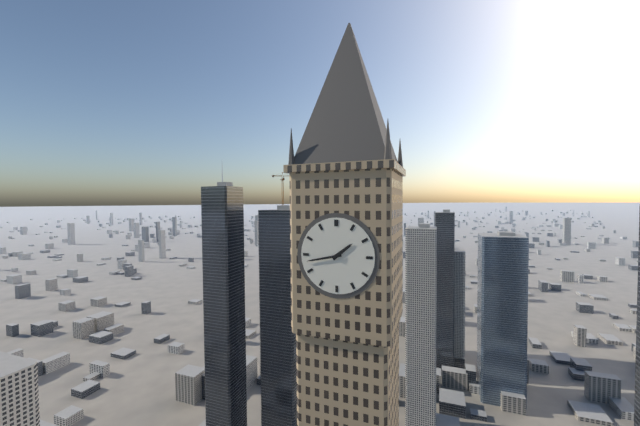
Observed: 1.43
